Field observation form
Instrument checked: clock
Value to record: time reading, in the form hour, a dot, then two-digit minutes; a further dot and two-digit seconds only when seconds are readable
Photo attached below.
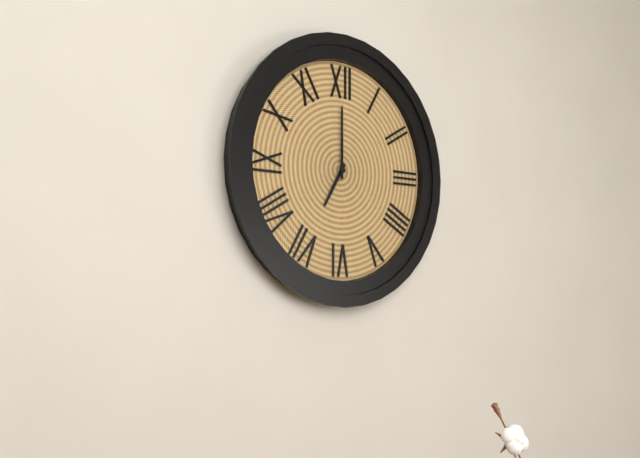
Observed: 7.00
